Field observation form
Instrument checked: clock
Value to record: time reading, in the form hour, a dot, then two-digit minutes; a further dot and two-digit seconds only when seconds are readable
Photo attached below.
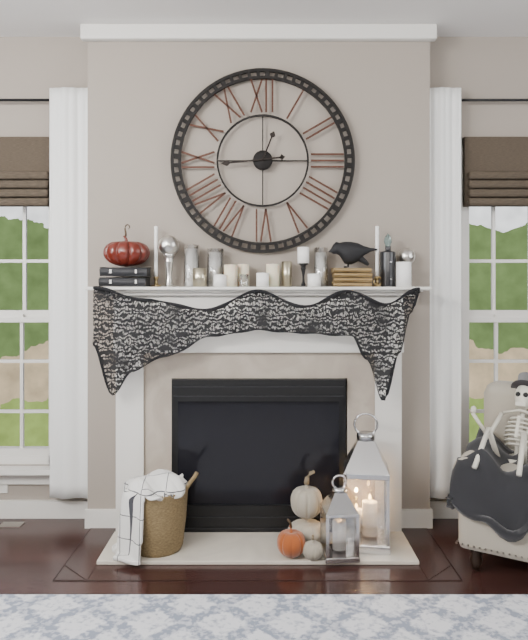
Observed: 12.44
